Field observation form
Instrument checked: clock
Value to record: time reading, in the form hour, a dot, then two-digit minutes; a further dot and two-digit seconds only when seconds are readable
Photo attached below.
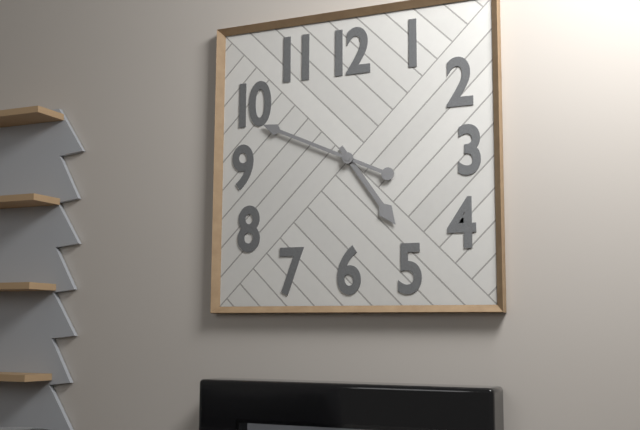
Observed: 4.49
